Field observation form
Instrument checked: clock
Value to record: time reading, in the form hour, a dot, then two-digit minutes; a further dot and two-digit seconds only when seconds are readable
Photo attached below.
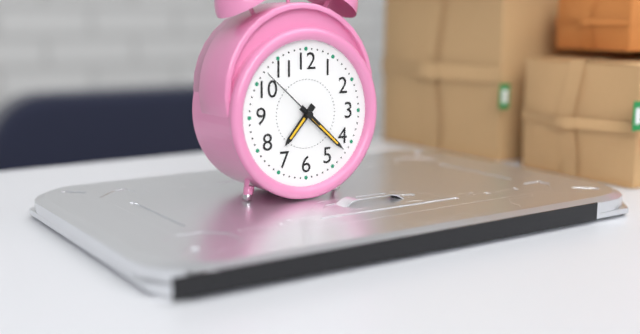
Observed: 7.22.52
